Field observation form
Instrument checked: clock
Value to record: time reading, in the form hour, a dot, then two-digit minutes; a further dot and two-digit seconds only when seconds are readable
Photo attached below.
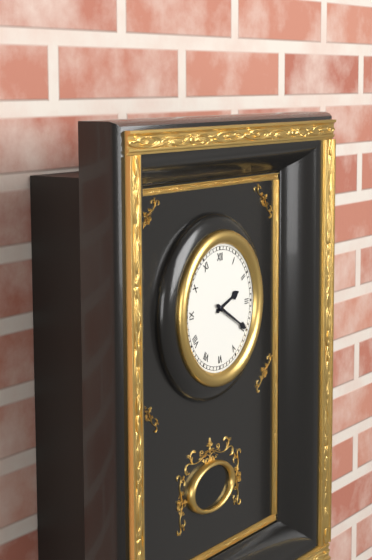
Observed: 2.20
